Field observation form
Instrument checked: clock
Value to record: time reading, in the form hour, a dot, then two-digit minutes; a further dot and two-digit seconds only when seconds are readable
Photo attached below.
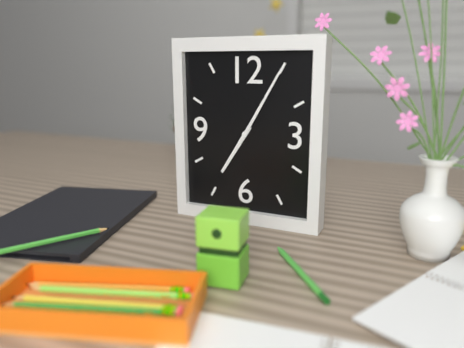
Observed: 7.05
